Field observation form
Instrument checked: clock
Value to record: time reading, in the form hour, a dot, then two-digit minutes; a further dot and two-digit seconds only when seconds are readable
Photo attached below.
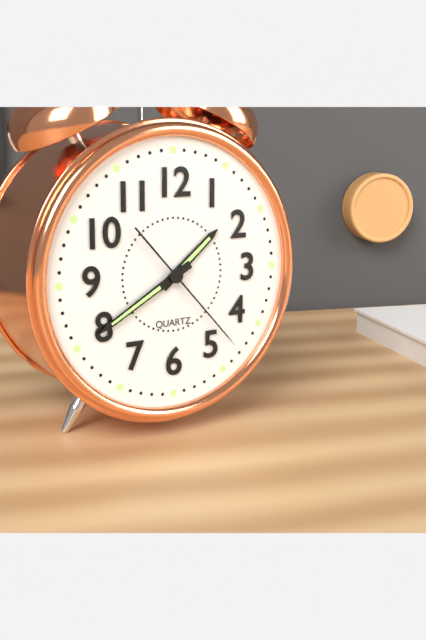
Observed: 1.40.23
